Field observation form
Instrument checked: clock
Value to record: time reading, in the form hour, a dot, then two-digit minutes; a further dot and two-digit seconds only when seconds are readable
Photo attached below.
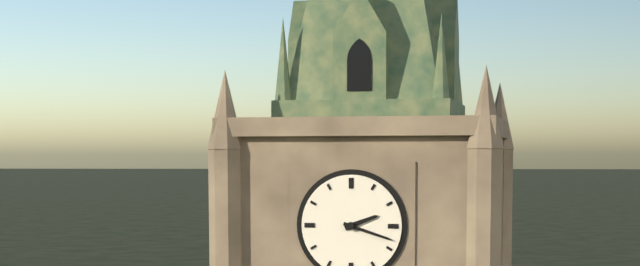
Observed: 2.18
